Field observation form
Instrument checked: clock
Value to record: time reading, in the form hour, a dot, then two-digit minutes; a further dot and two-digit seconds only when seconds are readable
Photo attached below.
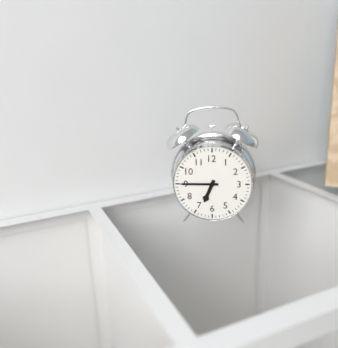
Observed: 6.45
